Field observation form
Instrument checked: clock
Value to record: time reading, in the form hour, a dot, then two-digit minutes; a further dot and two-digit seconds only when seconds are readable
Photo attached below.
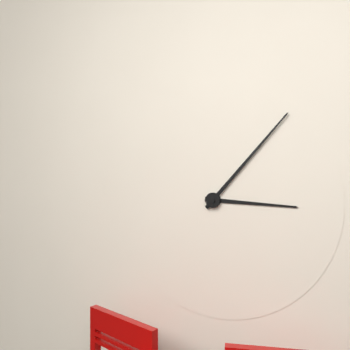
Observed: 3.07
